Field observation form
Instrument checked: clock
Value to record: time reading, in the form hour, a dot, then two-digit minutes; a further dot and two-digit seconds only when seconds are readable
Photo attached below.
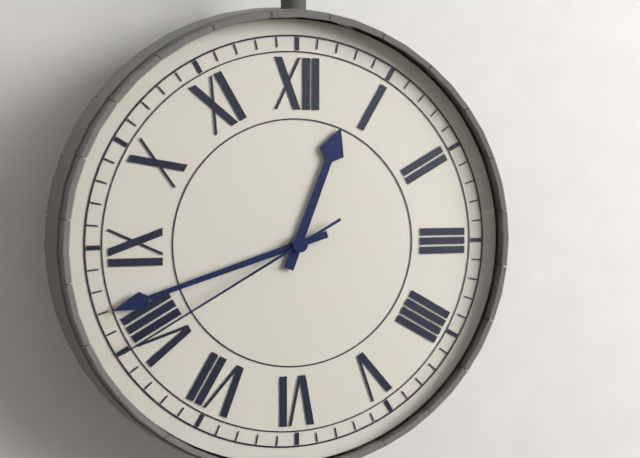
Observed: 12.42.40
